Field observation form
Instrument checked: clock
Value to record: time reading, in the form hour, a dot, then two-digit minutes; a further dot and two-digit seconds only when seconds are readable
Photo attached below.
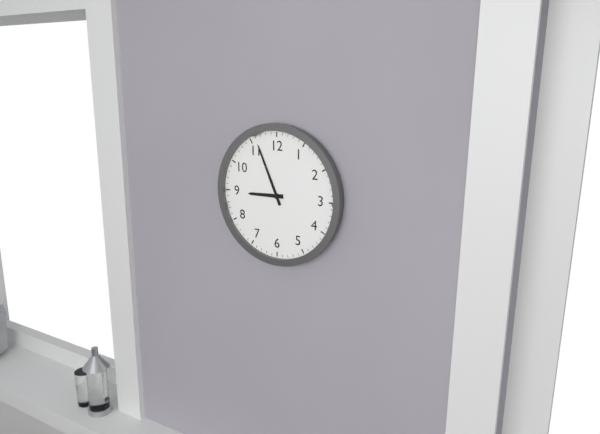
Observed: 8.56
